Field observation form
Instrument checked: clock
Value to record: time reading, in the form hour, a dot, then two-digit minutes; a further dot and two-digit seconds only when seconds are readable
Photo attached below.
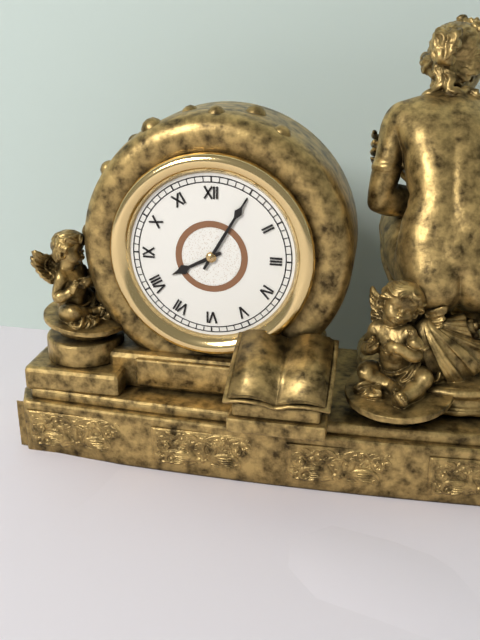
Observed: 8.05
